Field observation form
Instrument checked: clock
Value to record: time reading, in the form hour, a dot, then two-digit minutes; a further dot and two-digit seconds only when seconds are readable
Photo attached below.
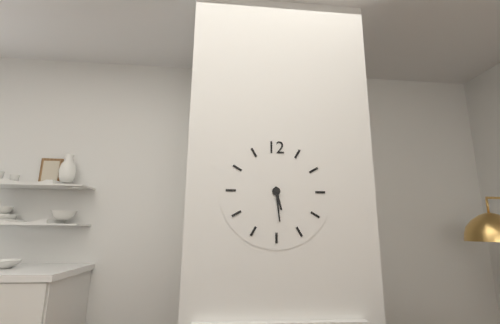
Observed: 5.29
